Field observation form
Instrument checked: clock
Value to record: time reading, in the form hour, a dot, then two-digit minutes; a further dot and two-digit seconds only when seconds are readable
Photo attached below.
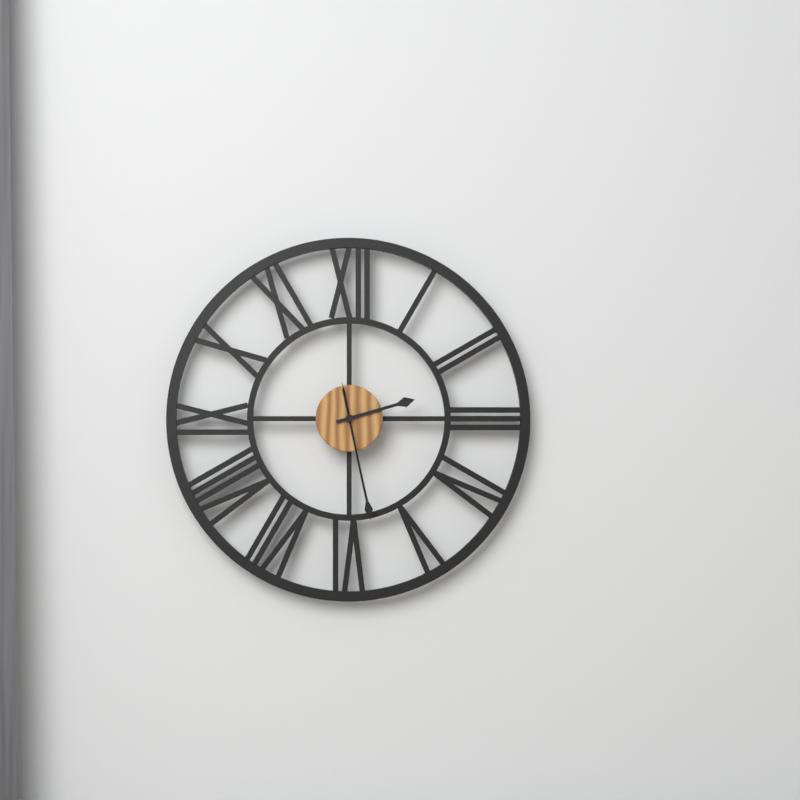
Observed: 2.28
